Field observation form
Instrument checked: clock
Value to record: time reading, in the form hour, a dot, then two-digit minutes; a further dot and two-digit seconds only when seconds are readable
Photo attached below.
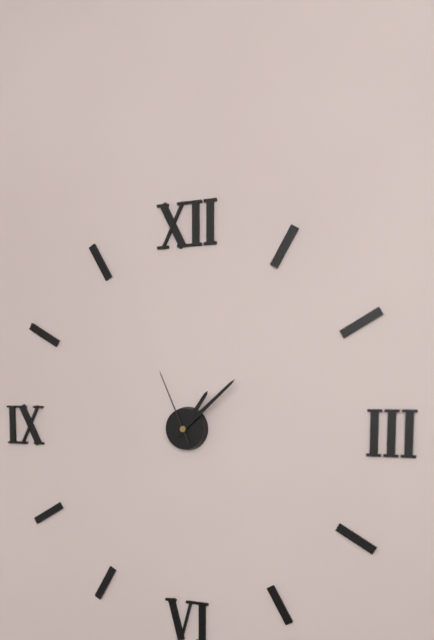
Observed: 1.08.56
